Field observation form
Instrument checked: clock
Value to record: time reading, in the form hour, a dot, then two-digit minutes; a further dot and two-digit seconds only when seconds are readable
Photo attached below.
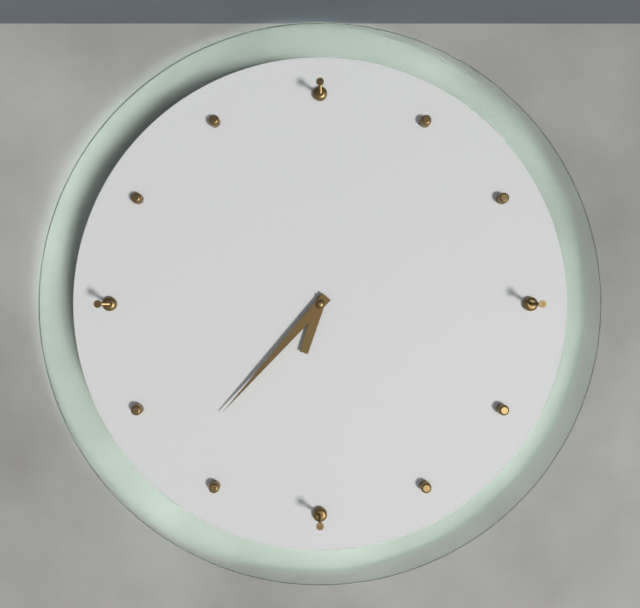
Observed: 6.37
